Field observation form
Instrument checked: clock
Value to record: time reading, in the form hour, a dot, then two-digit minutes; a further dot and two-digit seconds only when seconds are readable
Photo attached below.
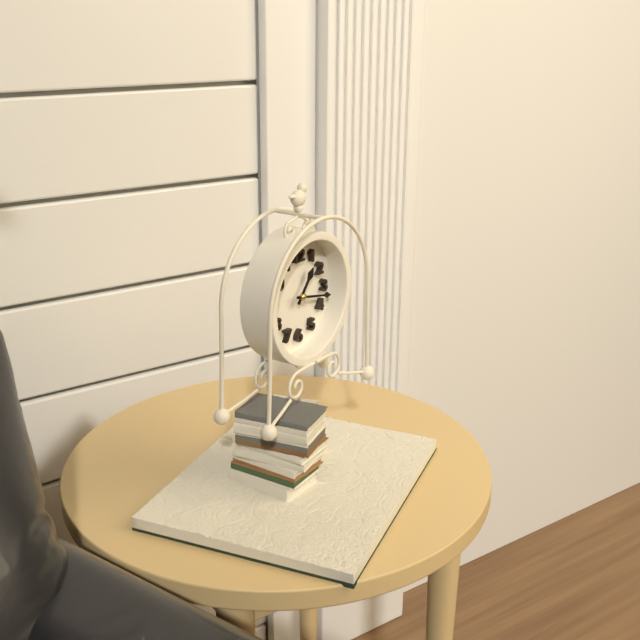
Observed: 1.17
